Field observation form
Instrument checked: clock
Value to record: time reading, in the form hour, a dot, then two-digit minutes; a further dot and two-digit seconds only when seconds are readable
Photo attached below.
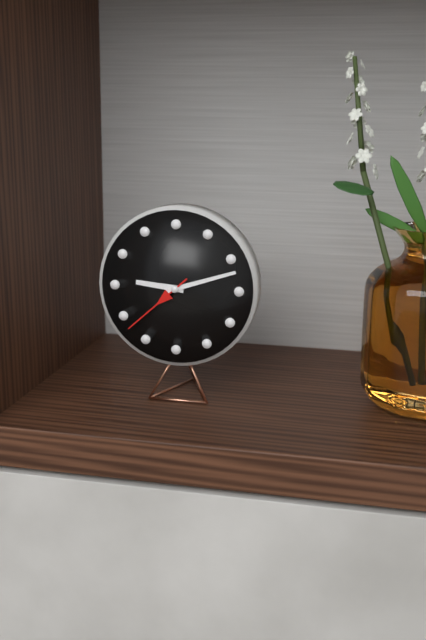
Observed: 9.12.38
